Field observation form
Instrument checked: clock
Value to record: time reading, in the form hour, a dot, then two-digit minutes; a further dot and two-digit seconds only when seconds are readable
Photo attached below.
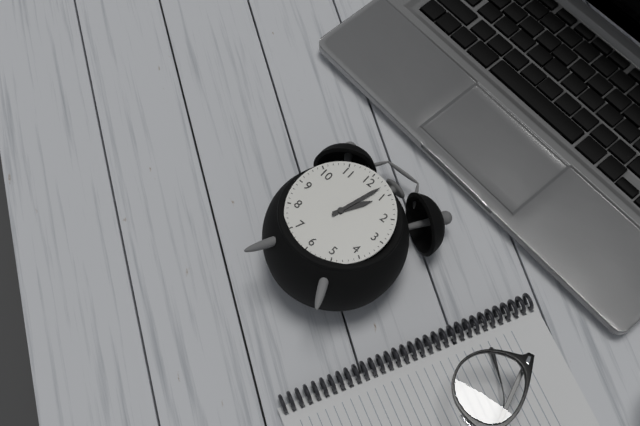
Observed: 1.03
